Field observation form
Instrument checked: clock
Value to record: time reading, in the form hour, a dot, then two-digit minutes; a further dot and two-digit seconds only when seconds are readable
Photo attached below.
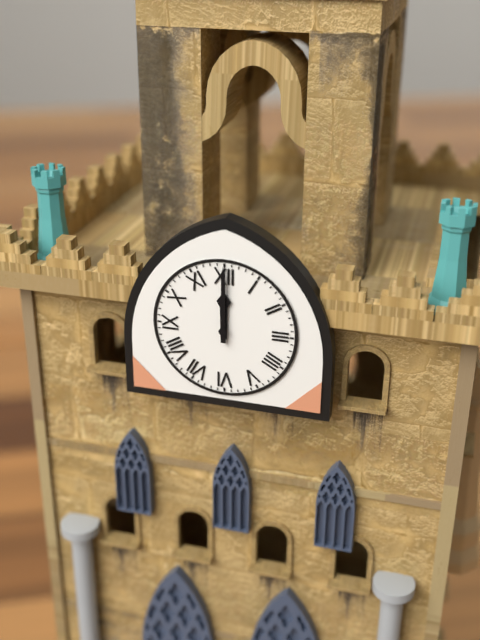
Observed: 12.00
